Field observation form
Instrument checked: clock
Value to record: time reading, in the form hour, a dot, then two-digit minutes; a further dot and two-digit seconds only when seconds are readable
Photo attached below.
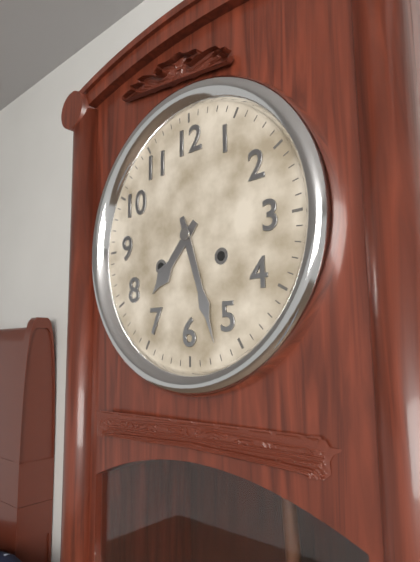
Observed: 7.27
